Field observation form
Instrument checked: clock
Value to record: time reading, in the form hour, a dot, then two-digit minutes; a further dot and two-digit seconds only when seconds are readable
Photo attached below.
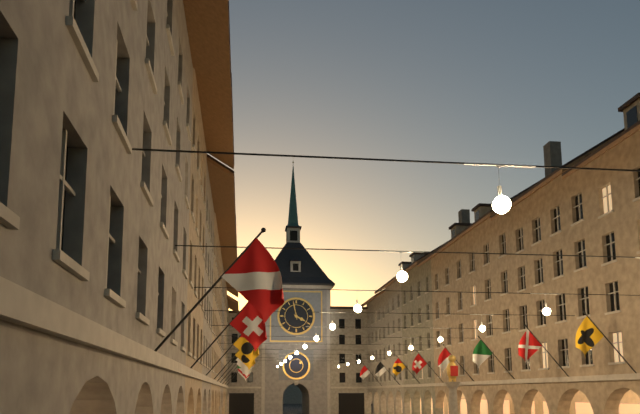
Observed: 3.58
